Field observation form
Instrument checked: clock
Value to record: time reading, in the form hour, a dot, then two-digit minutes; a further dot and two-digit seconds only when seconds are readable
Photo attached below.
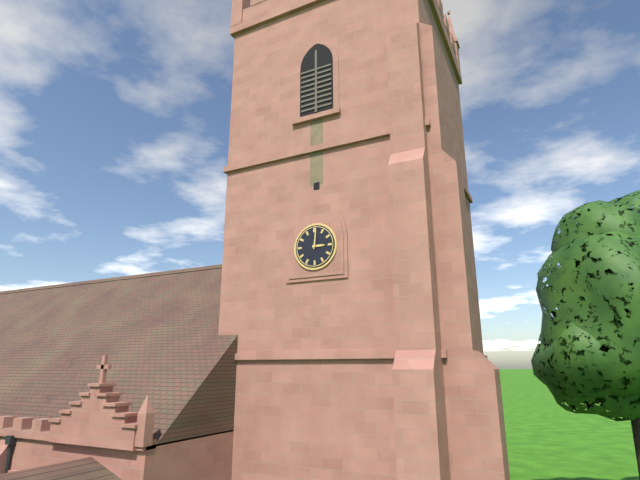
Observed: 3.01
